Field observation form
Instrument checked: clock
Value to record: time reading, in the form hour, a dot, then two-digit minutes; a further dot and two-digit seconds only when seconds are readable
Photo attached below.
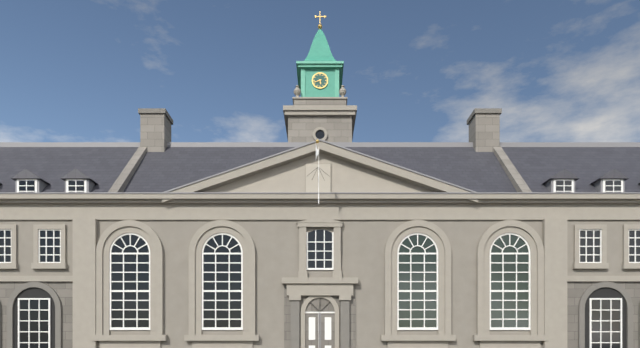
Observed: 5.42
